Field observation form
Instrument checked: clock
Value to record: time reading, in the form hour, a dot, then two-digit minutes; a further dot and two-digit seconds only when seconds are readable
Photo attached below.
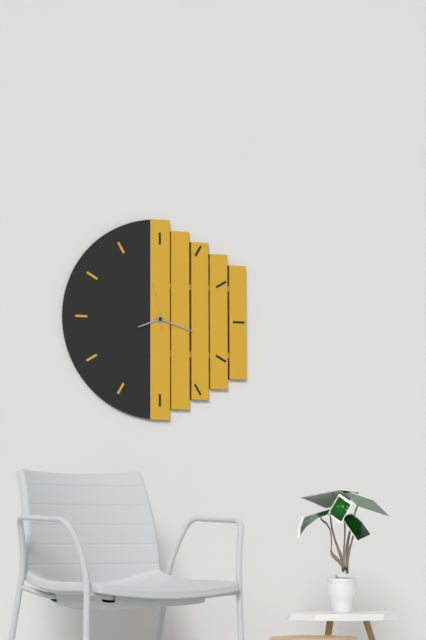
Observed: 8.18
